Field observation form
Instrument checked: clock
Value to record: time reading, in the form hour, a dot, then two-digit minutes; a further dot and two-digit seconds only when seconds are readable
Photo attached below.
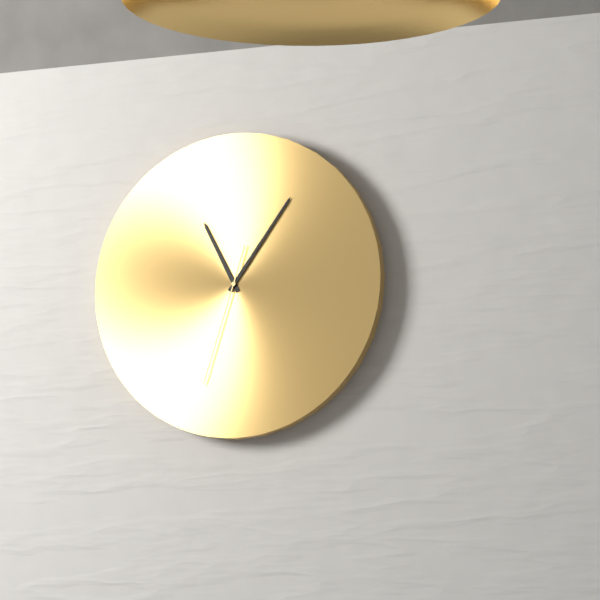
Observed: 11.06.33
